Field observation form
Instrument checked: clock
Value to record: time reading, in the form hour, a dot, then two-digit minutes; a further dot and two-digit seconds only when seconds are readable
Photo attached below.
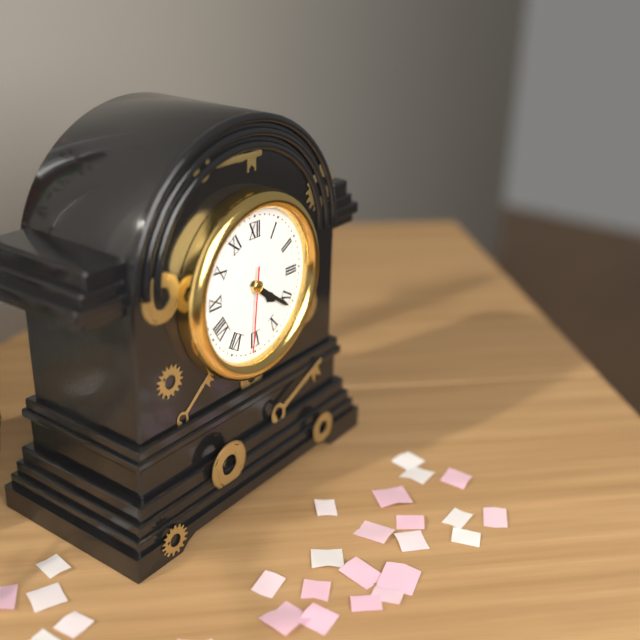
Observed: 4.21.31
